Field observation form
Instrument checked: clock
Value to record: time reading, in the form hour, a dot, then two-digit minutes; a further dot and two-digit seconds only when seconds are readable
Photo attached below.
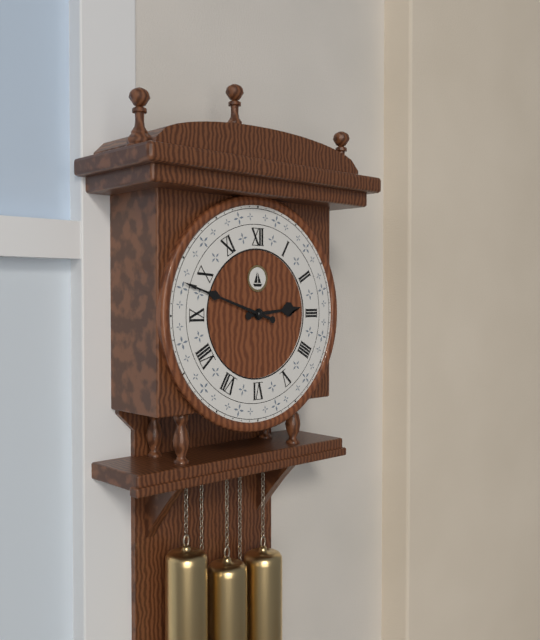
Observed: 2.48
